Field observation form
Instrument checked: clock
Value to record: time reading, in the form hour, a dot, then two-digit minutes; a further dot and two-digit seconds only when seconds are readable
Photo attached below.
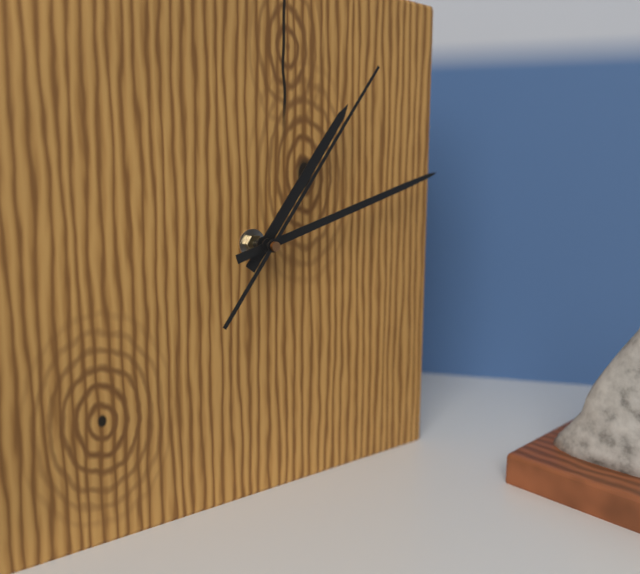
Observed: 1.12.06
